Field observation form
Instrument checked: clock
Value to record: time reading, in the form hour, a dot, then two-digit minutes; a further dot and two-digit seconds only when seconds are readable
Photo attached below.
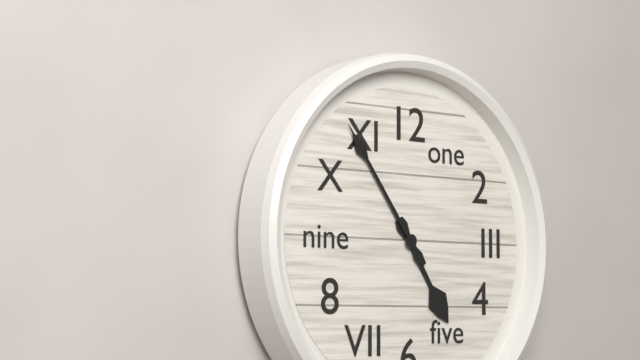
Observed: 4.54
